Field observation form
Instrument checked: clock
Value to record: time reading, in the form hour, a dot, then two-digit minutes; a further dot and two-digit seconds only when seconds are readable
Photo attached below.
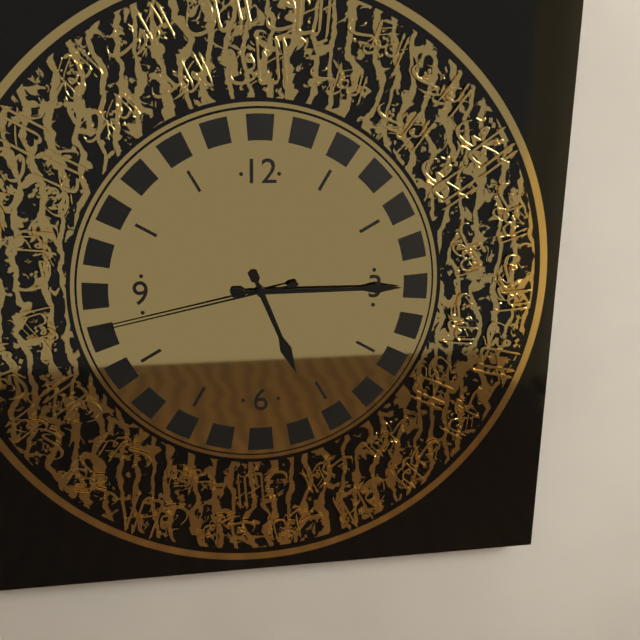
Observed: 5.15.43
